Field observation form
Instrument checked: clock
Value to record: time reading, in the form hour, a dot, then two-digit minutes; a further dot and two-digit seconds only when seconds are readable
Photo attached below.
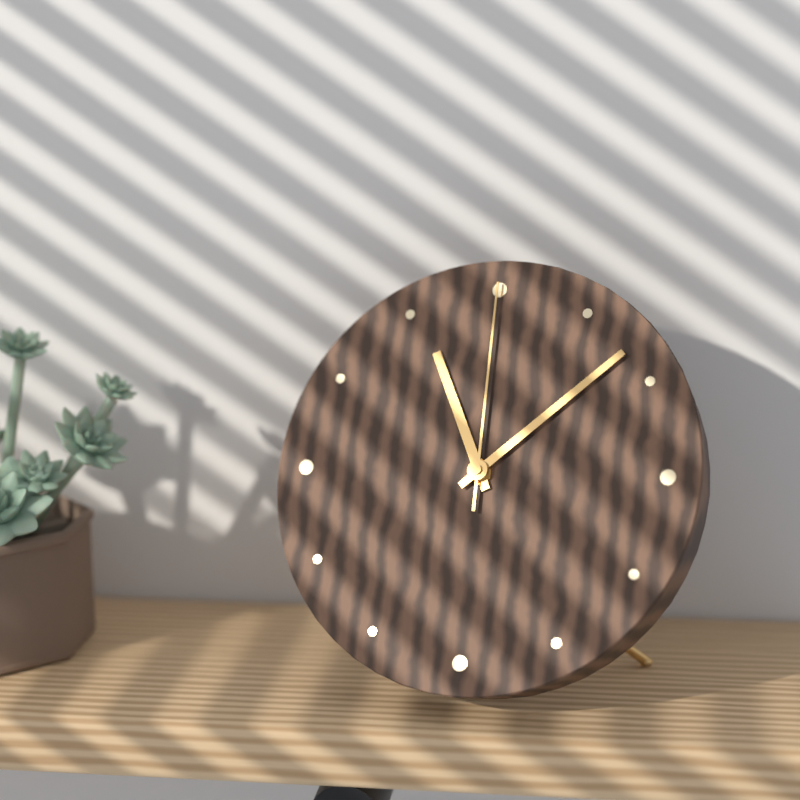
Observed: 11.08.00
